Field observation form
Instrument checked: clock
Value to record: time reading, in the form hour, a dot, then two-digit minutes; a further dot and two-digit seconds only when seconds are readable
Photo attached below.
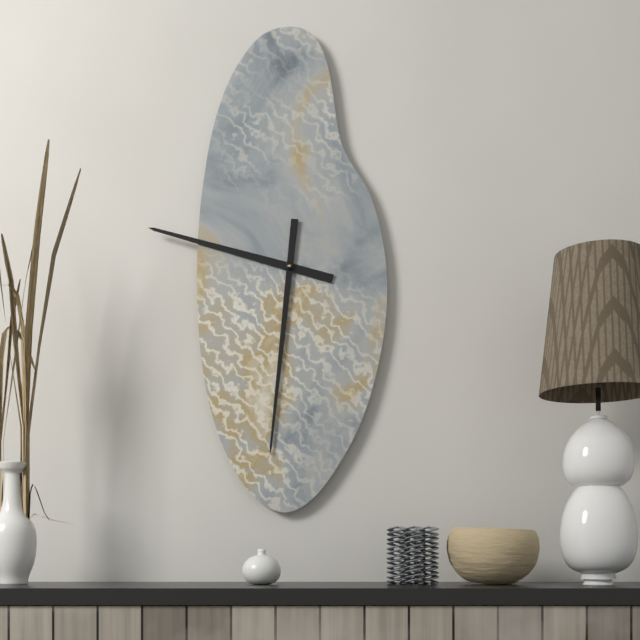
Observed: 9.31
